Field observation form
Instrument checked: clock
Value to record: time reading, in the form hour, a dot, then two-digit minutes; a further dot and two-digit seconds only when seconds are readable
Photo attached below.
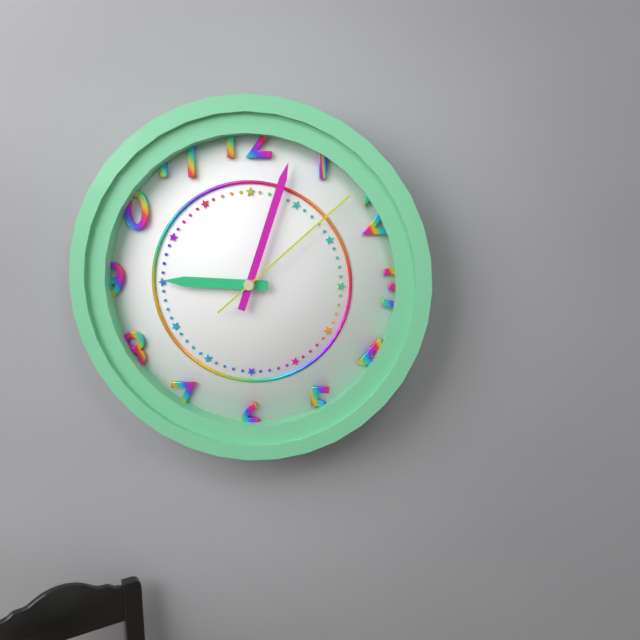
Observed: 9.03.08
